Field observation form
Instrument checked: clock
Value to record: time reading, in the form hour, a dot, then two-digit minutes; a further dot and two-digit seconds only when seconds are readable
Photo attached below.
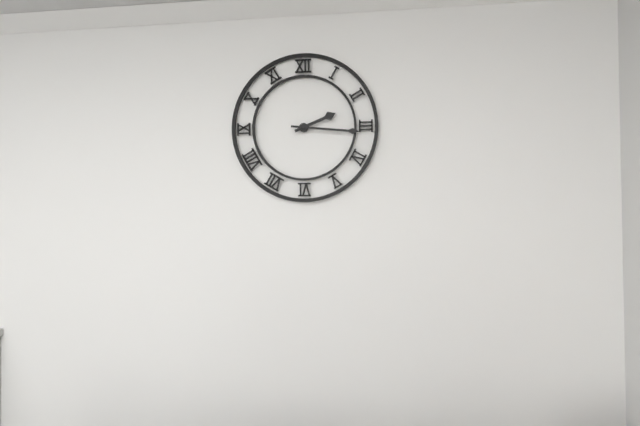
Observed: 2.16
